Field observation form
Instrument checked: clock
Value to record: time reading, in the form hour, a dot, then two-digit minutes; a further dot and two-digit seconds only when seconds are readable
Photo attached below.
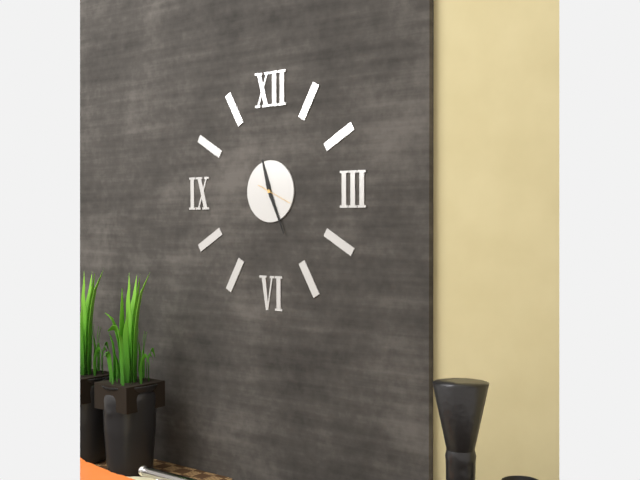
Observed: 11.26
